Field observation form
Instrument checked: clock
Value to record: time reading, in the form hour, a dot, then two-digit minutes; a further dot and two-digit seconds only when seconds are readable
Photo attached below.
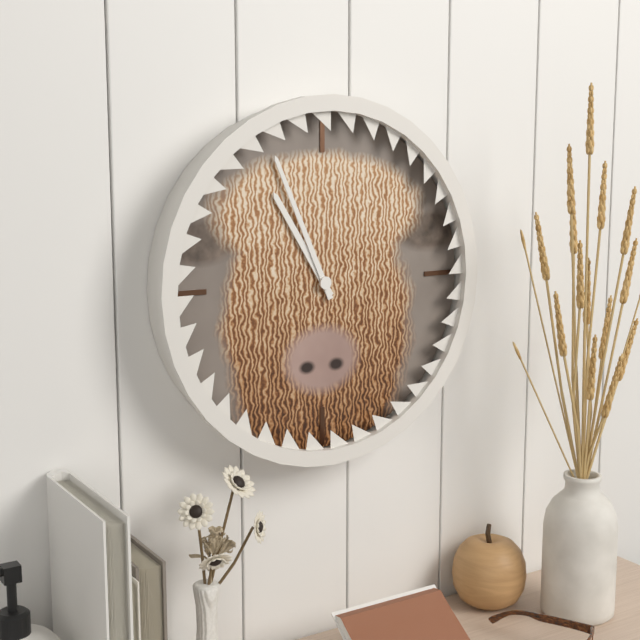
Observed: 10.56
